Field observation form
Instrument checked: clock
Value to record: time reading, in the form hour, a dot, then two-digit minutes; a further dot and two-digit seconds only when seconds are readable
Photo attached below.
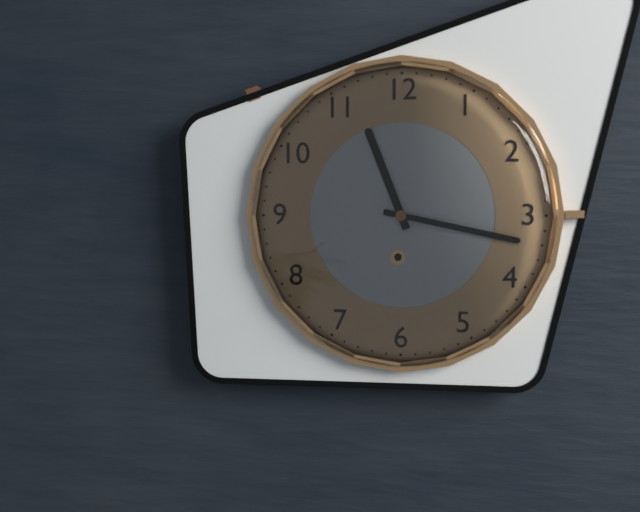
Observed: 11.17
